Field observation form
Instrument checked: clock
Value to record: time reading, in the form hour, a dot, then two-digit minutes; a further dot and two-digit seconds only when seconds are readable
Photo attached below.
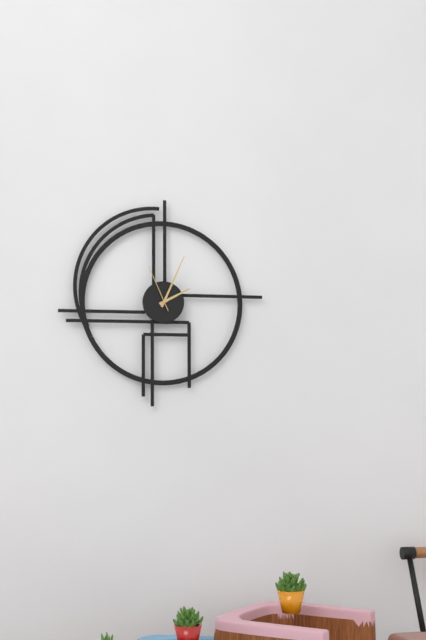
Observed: 2.04.56
